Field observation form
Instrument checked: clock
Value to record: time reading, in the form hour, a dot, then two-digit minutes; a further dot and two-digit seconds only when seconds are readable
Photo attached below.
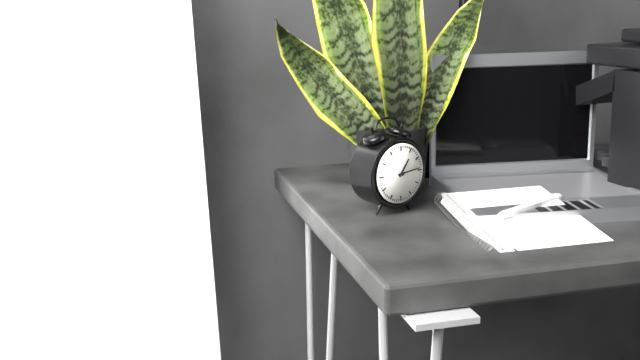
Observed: 1.14
